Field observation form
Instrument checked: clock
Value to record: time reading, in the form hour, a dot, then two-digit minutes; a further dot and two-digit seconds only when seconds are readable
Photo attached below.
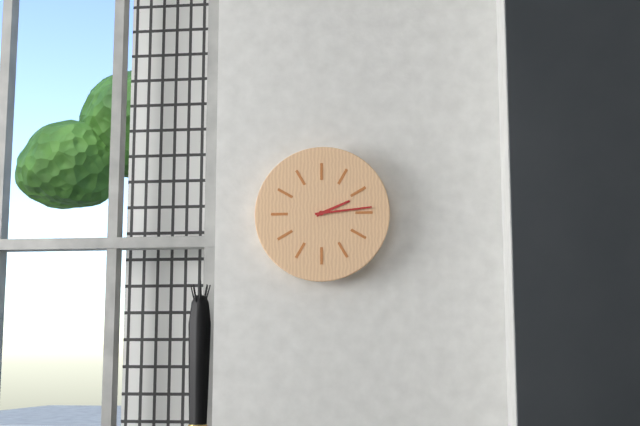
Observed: 2.14
